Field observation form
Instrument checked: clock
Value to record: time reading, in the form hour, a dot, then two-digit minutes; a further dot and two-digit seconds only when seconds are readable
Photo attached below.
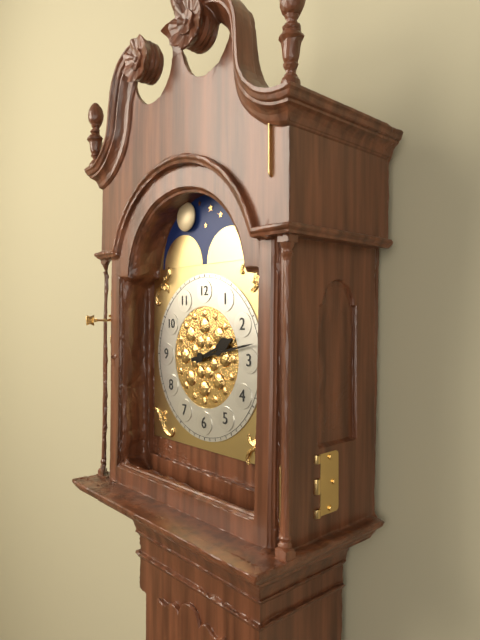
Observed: 2.13
